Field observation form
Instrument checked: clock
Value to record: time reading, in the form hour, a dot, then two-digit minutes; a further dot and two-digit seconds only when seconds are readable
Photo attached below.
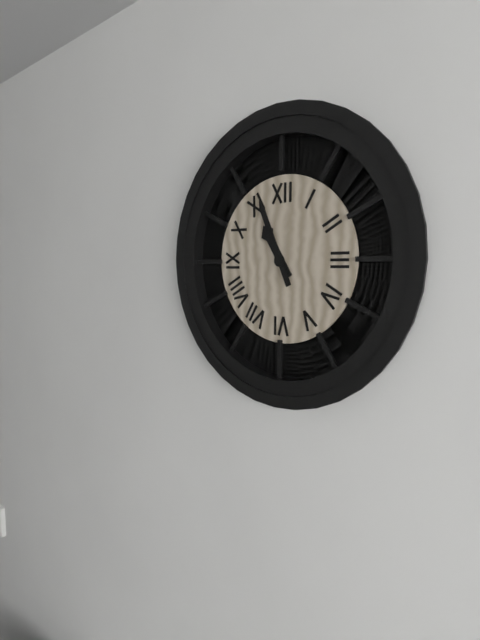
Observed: 10.56
